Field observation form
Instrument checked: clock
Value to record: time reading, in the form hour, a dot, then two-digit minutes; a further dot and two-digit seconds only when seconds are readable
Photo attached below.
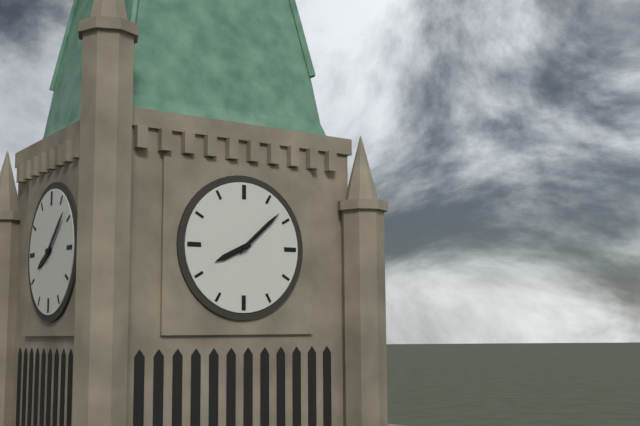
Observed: 8.08
